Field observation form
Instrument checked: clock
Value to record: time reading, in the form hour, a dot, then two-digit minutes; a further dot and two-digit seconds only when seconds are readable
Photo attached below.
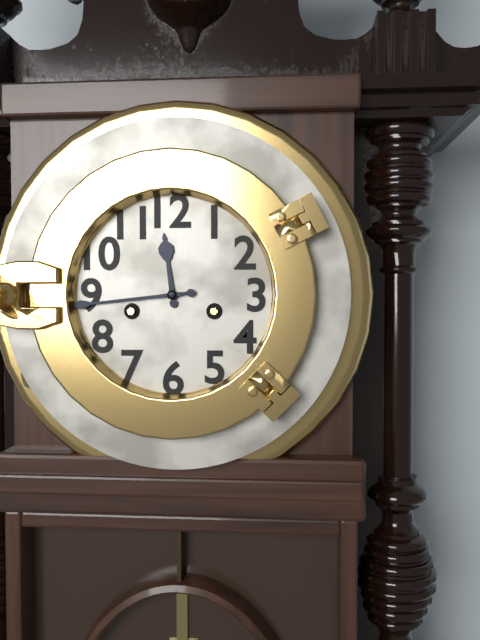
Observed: 11.44
